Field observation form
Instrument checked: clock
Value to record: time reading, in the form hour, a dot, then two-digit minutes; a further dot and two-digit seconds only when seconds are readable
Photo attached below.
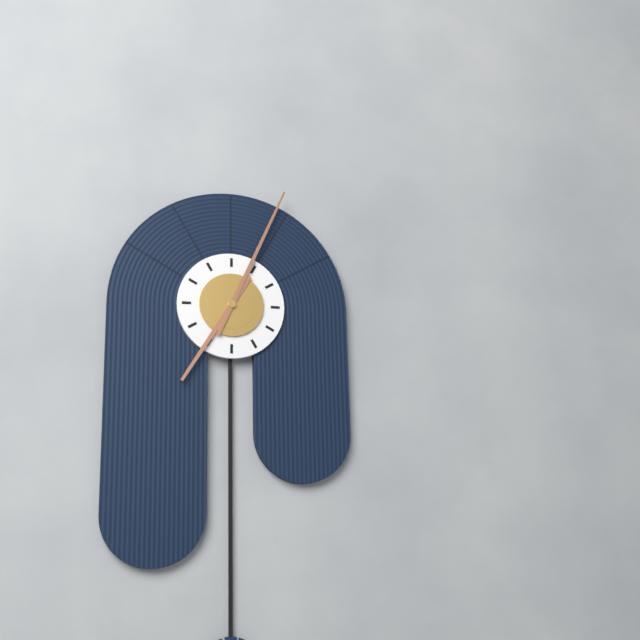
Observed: 7.04
